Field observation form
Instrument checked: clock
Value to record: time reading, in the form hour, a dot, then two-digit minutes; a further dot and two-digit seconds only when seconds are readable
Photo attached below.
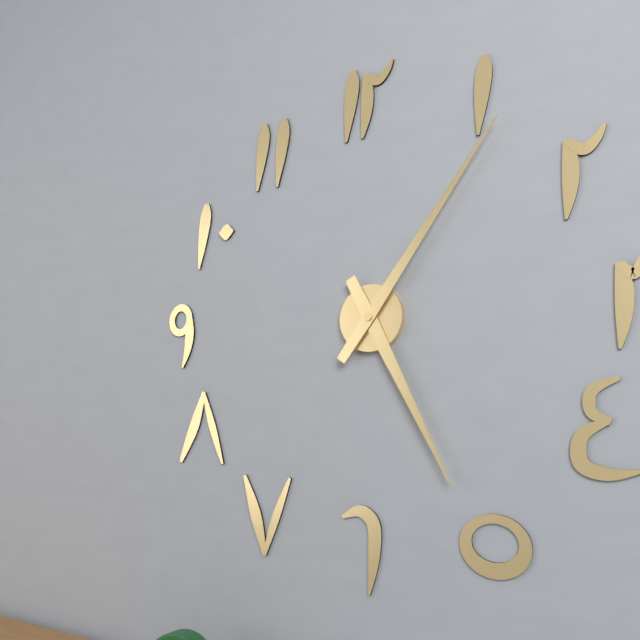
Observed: 5.06
